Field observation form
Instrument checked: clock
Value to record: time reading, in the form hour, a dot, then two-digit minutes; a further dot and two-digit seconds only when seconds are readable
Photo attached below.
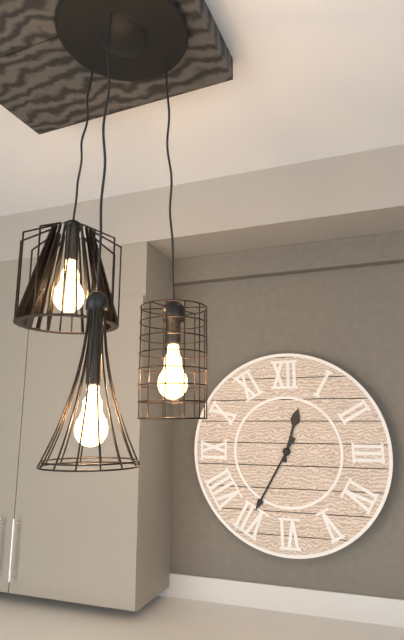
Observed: 12.35
